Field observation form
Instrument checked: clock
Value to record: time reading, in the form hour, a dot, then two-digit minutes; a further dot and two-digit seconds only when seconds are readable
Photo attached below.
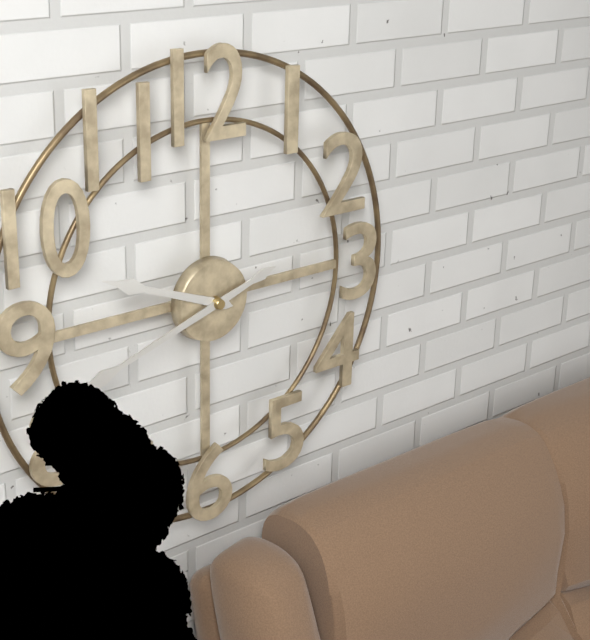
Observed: 9.42
